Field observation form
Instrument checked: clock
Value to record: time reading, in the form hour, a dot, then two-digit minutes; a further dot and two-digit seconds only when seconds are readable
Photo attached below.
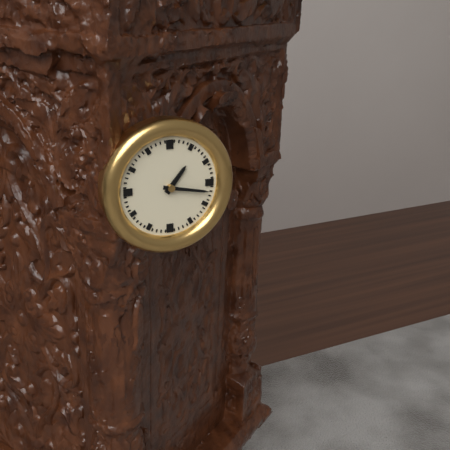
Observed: 1.17
